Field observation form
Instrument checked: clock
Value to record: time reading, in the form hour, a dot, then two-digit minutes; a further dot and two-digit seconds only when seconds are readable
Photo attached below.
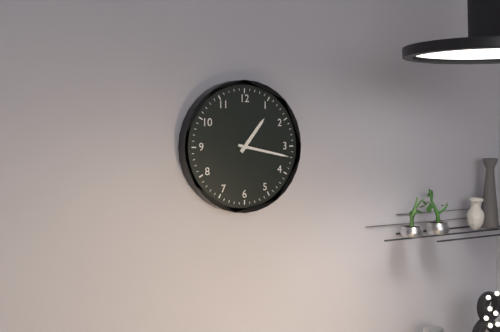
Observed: 1.17
